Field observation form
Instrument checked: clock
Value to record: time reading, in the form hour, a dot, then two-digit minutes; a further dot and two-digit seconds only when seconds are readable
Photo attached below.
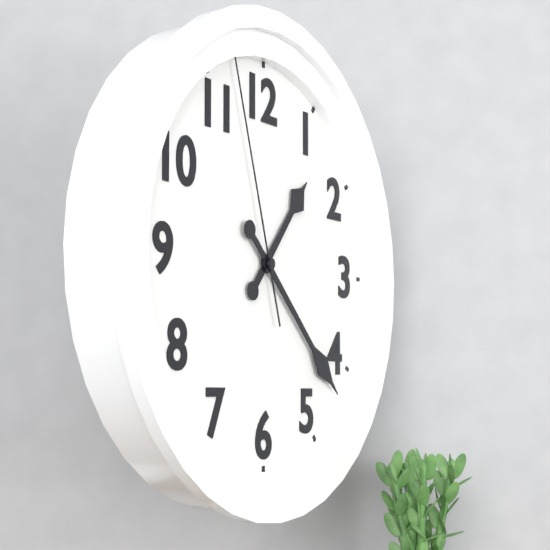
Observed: 1.22.57
